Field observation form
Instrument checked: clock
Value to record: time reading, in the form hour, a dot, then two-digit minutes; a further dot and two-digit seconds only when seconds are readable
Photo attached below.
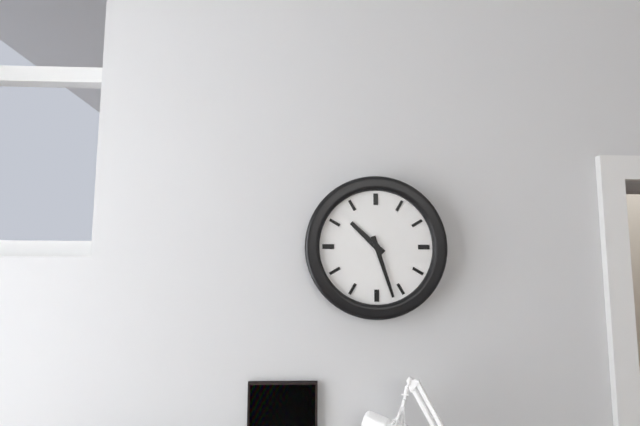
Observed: 10.27
